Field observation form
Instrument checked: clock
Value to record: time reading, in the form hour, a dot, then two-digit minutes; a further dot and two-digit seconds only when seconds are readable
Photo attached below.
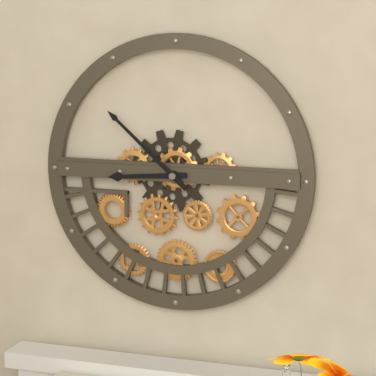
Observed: 8.52
